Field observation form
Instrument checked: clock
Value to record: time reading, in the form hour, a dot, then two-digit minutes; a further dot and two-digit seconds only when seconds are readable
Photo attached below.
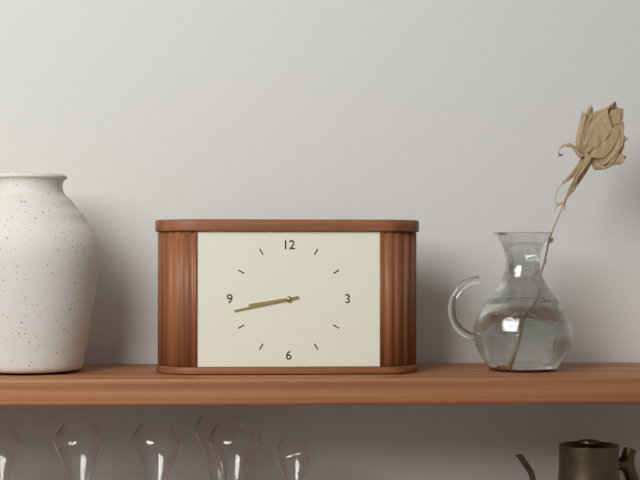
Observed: 8.43
